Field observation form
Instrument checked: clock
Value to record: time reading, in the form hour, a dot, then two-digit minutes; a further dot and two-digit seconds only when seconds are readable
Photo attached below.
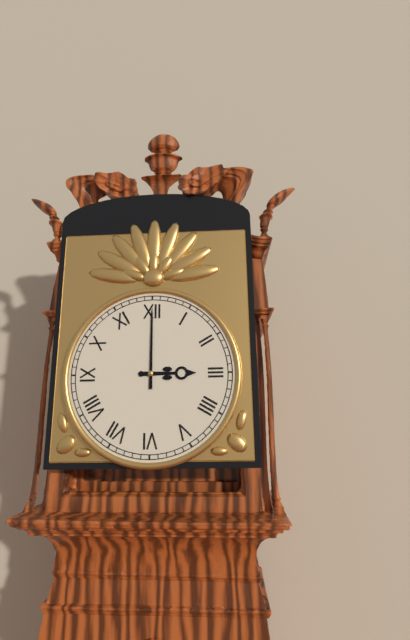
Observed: 3.00
